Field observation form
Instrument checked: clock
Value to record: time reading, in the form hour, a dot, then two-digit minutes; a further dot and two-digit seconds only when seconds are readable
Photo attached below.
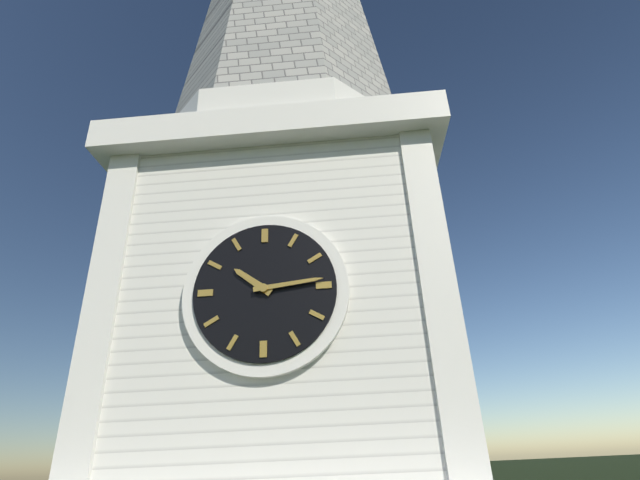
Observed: 10.14
